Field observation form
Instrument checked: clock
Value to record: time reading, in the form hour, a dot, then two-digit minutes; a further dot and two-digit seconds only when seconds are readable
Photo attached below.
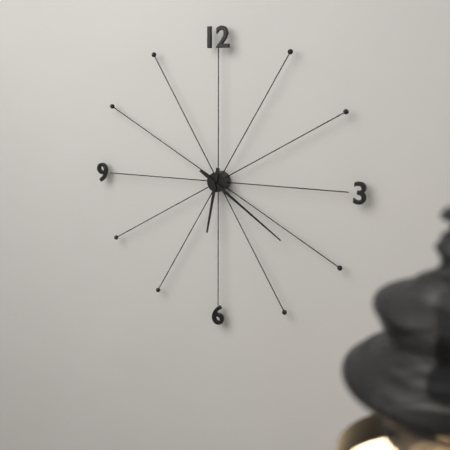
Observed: 6.21
